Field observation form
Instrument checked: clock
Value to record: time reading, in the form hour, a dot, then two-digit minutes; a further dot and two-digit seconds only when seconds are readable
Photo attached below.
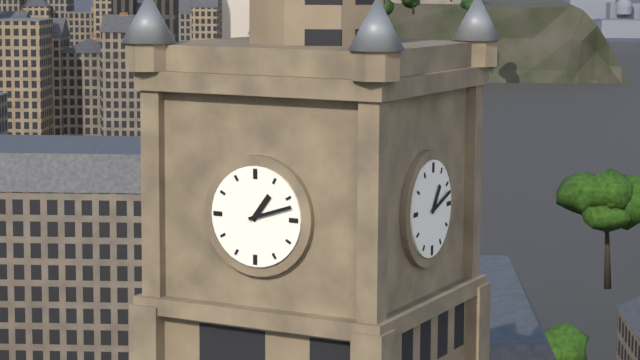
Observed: 1.12
